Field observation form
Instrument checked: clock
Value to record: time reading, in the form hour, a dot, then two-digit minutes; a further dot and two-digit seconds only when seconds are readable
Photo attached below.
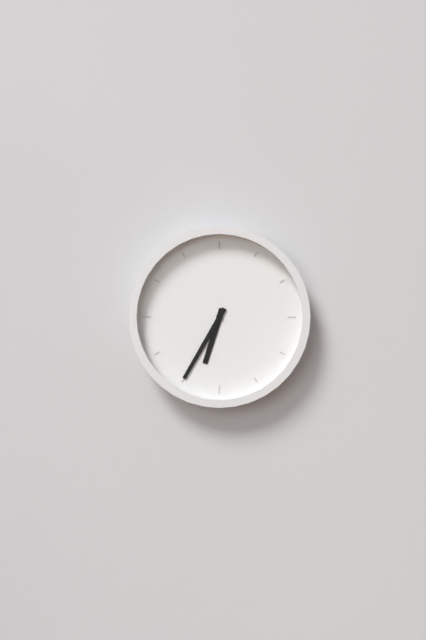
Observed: 6.35
